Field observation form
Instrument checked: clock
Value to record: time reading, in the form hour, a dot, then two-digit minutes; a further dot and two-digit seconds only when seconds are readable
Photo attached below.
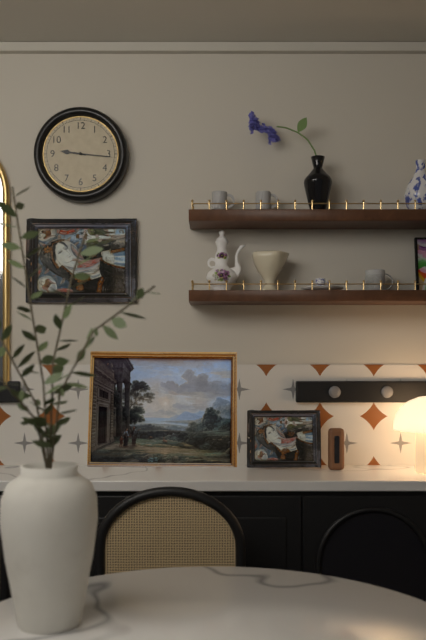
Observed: 9.16
